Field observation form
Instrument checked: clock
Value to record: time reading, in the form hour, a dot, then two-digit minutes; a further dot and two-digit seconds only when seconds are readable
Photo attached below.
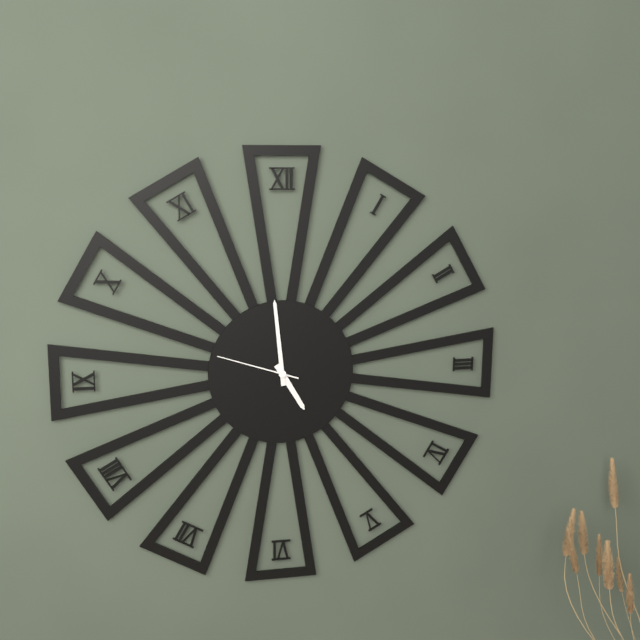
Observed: 4.59.48
